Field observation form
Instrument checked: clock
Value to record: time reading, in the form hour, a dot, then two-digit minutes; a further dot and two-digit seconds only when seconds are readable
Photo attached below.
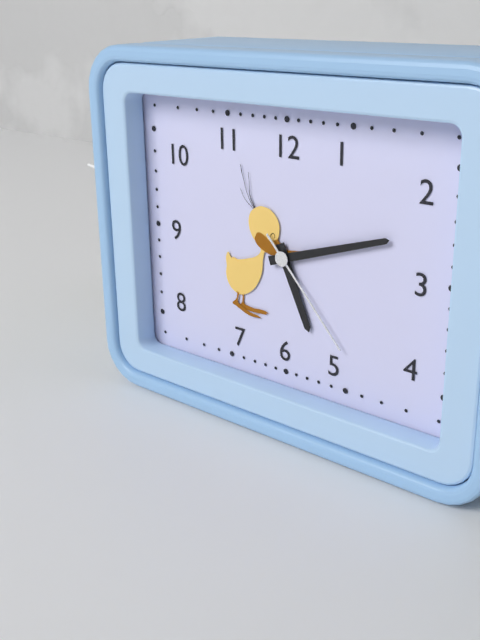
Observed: 5.12.23
